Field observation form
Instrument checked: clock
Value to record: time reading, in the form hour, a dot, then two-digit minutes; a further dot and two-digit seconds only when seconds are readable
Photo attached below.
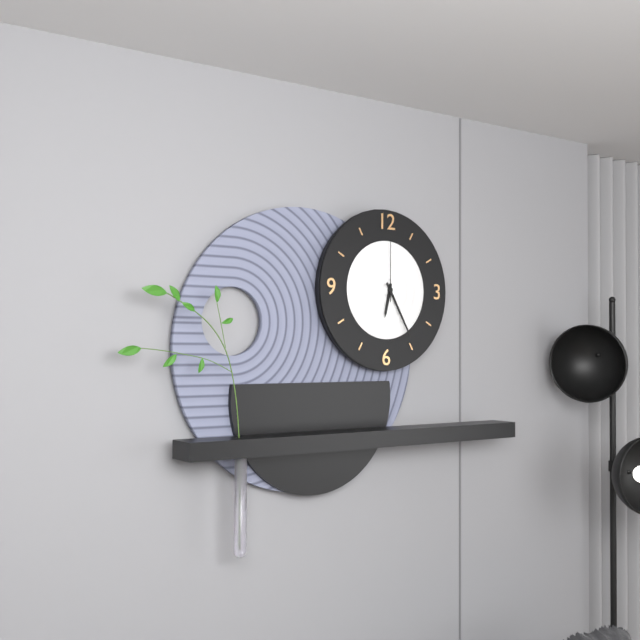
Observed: 6.25.00
